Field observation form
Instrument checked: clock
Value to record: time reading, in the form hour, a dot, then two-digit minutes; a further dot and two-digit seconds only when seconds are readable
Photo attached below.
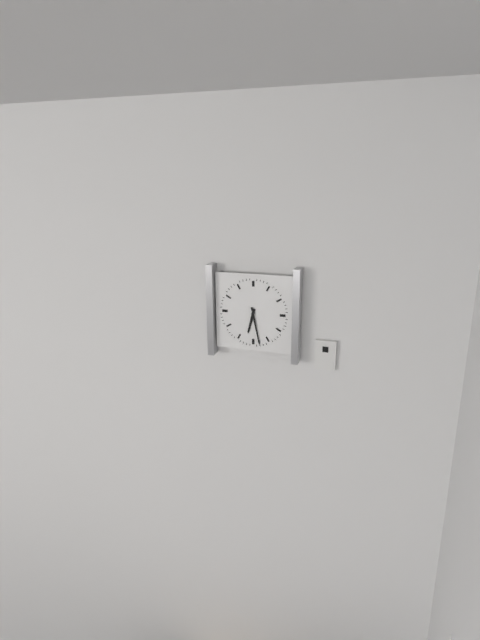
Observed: 6.28
